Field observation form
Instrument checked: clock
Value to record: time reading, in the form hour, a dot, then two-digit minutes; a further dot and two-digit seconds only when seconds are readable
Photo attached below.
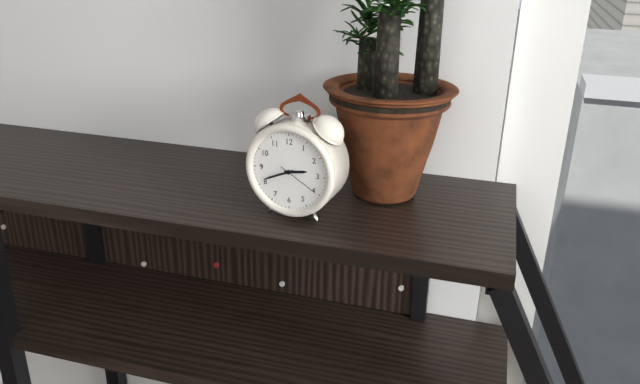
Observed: 2.41
